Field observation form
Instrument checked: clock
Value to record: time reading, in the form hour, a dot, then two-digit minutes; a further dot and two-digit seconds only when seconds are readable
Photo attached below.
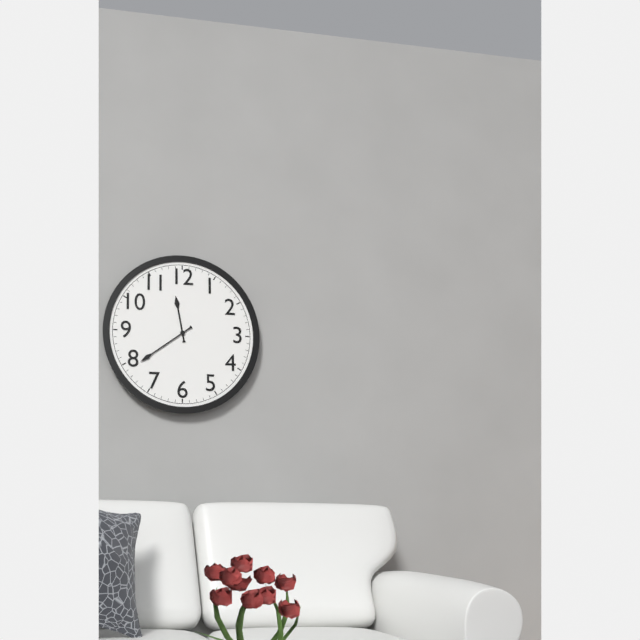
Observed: 11.39
